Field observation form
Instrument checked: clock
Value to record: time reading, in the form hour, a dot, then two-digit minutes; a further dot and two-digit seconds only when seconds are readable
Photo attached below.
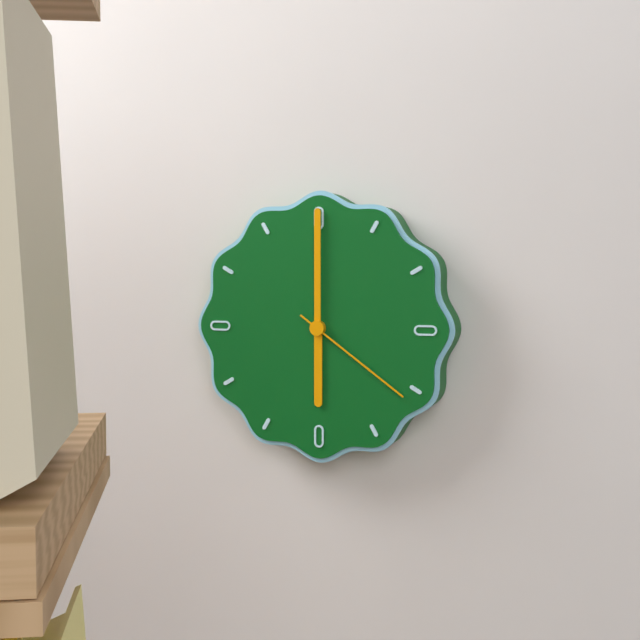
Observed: 6.00.21
